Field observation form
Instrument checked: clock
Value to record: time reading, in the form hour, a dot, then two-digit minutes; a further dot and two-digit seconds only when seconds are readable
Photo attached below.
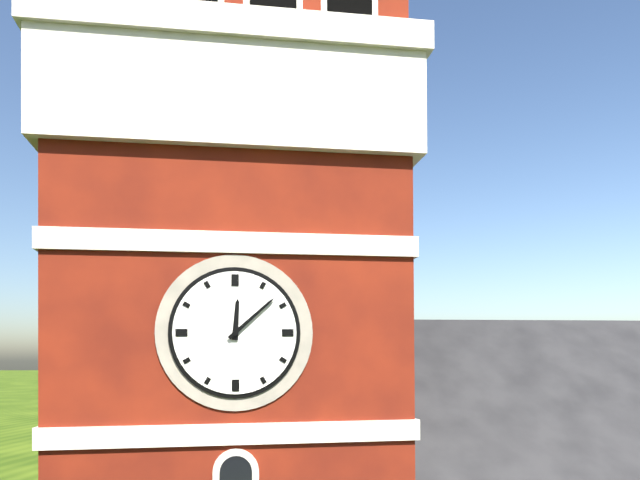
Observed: 12.08
